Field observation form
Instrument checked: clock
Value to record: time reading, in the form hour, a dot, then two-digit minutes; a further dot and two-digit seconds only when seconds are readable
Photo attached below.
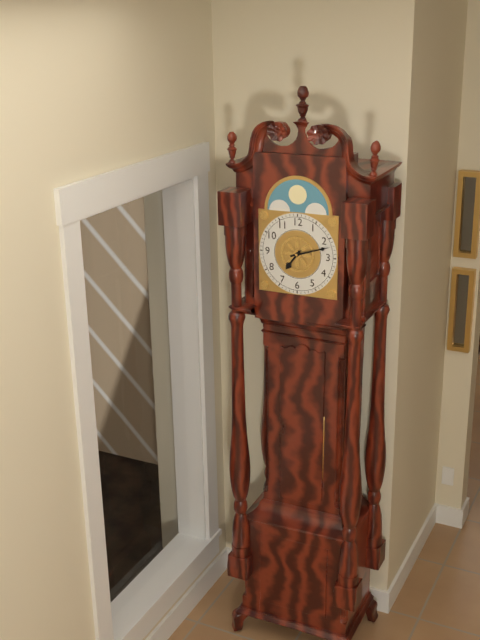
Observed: 7.12
